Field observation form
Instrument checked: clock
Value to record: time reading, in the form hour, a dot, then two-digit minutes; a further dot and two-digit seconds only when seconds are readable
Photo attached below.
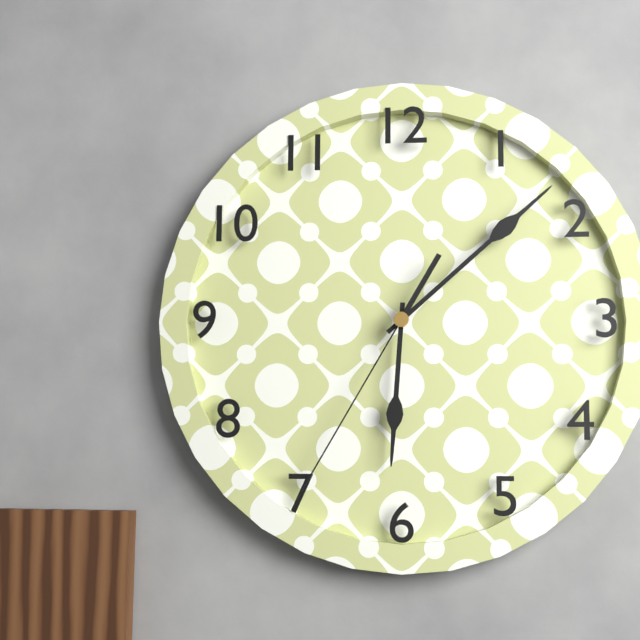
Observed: 6.08.35
